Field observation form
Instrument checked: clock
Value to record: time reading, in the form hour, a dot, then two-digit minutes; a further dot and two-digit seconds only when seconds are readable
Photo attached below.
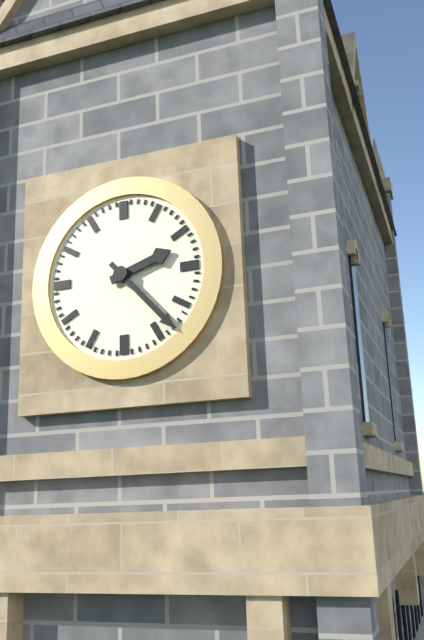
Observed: 2.23
